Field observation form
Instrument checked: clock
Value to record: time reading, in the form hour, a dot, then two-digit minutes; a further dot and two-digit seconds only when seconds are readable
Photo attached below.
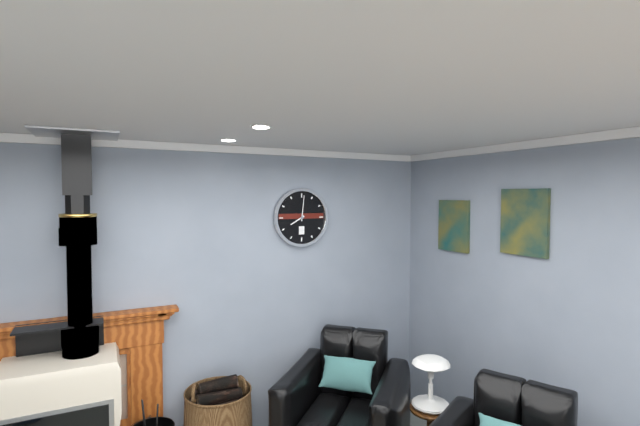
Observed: 8.01
